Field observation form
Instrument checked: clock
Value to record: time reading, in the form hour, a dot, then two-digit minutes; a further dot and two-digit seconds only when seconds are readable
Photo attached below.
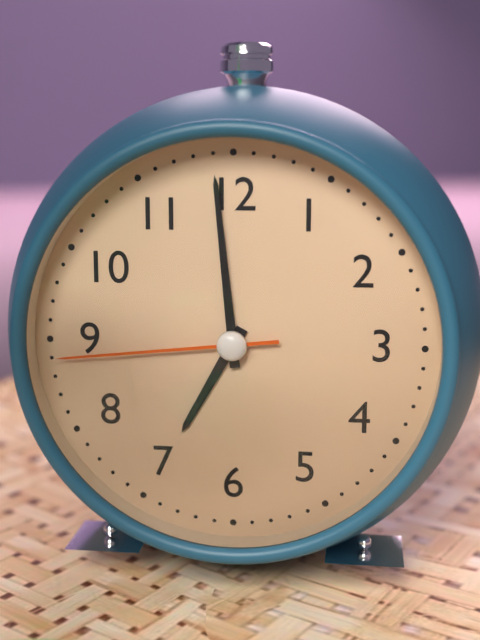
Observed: 6.59.44
